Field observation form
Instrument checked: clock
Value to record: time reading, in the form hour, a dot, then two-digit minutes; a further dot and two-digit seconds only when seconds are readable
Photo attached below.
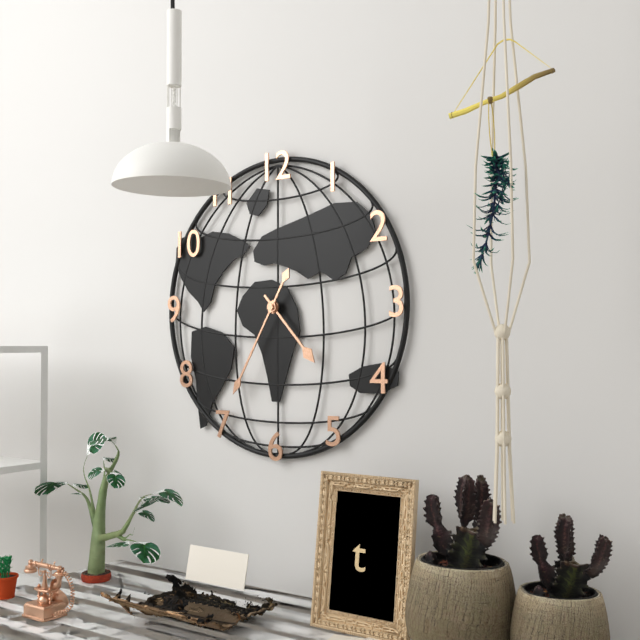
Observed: 4.35
